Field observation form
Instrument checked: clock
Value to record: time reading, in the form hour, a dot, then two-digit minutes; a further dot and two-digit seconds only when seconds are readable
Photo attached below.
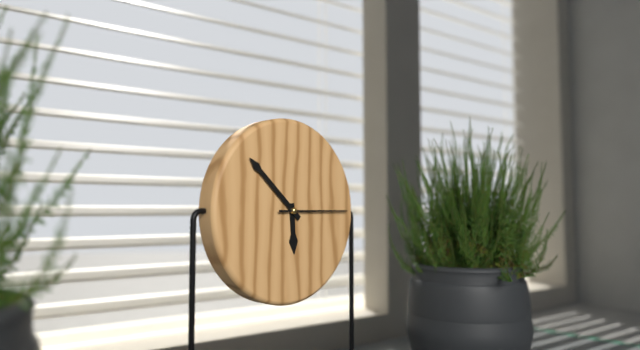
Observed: 5.52.15
